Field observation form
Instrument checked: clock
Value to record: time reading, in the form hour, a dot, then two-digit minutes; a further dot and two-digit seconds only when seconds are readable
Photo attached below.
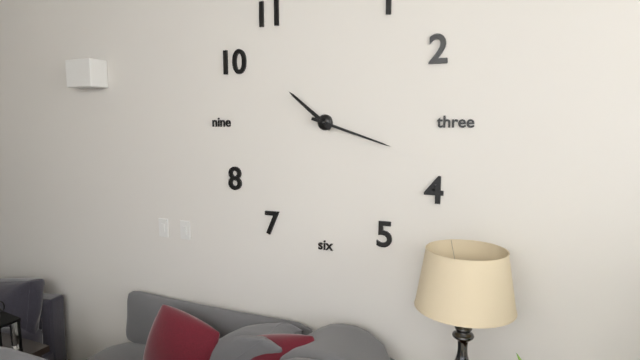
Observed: 10.18
